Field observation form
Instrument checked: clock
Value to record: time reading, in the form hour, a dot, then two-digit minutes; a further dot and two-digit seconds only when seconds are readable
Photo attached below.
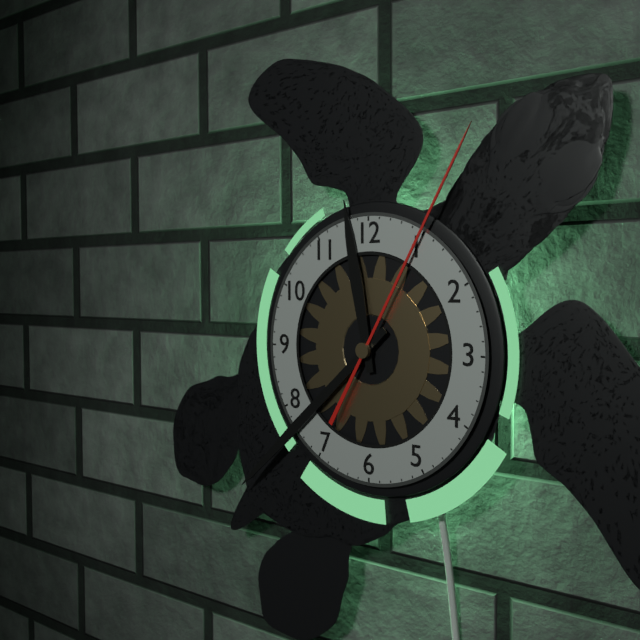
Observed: 11.38.05
